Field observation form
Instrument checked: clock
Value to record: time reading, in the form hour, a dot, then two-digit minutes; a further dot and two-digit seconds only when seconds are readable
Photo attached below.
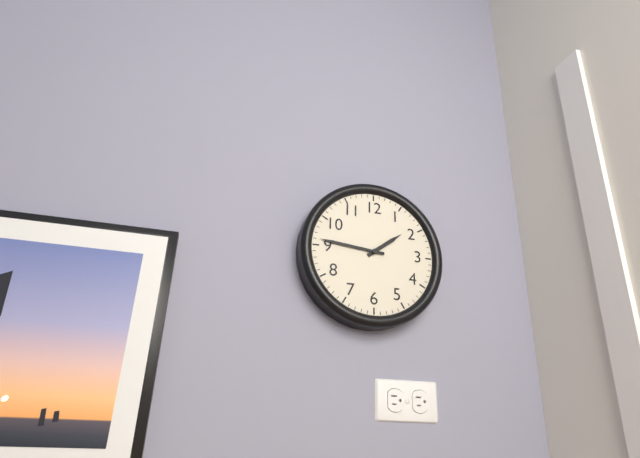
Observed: 1.46
